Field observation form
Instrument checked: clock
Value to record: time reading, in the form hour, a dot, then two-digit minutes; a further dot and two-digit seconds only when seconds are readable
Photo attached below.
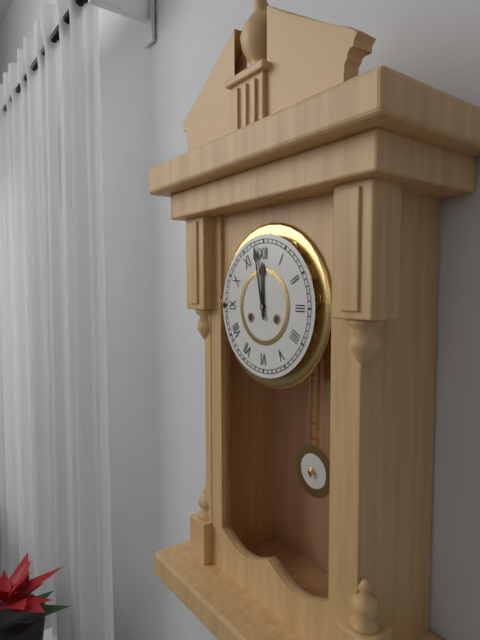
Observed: 11.58
